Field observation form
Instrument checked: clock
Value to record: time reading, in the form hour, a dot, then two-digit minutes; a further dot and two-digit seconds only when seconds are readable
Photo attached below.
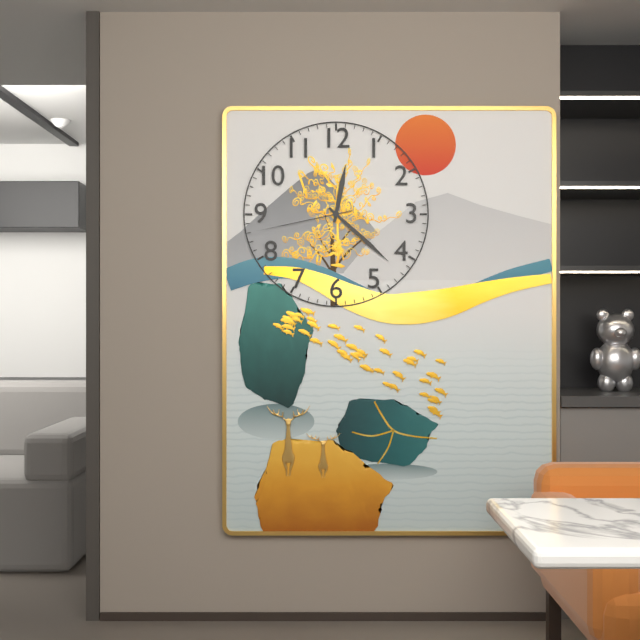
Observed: 12.22.43
